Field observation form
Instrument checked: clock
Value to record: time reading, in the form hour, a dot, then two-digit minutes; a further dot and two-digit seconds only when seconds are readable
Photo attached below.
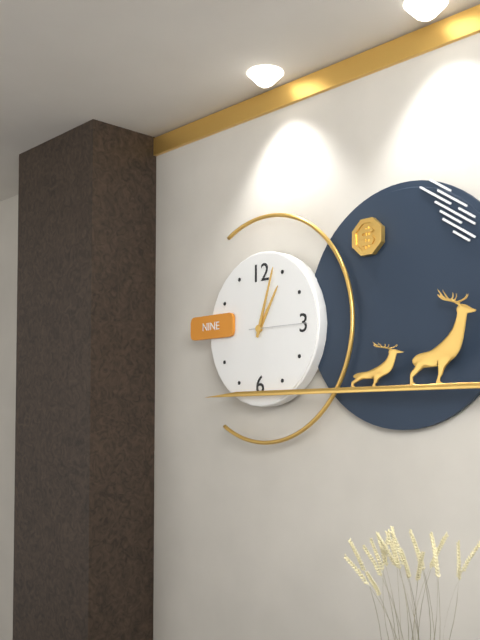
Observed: 1.03.15
